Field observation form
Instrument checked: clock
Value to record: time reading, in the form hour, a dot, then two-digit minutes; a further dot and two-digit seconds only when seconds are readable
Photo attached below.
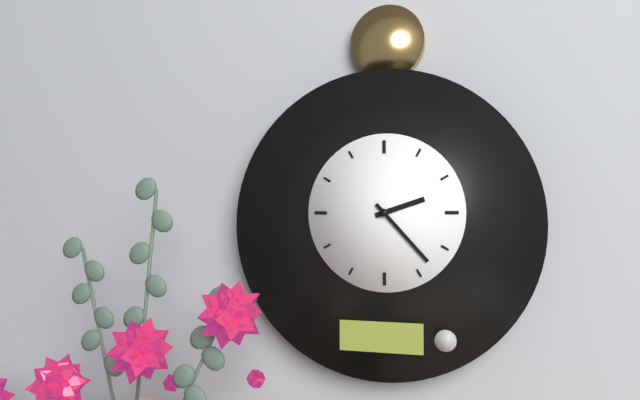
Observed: 2.23
